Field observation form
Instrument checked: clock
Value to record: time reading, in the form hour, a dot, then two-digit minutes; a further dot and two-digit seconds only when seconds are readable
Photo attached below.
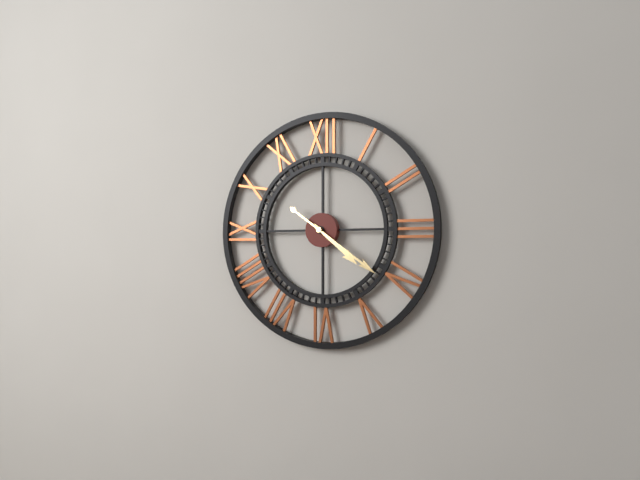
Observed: 4.21
